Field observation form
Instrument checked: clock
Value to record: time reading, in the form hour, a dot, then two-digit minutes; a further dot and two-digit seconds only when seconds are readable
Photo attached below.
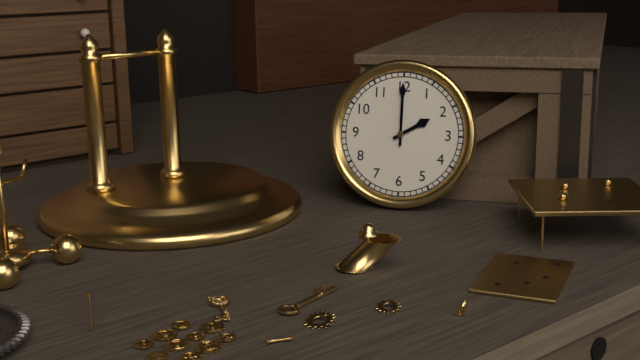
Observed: 2.00
